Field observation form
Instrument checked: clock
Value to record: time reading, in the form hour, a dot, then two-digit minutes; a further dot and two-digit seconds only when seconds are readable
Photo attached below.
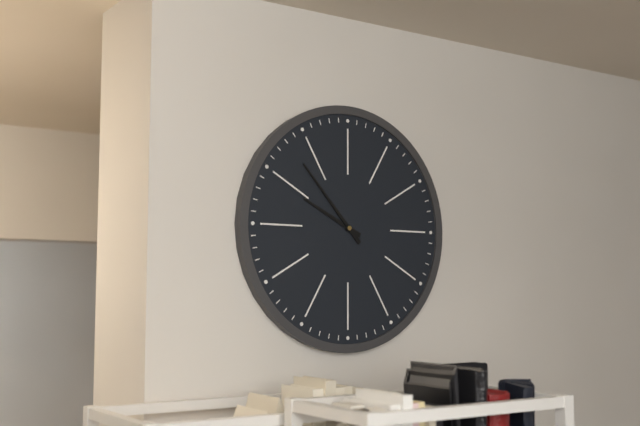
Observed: 9.53
